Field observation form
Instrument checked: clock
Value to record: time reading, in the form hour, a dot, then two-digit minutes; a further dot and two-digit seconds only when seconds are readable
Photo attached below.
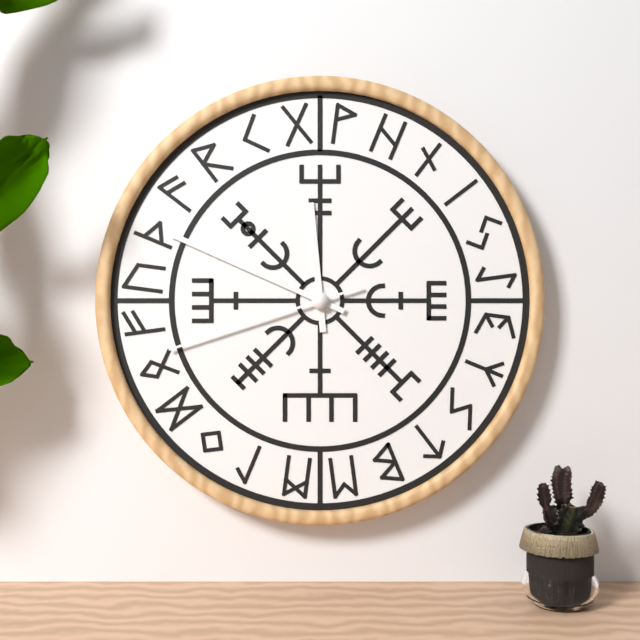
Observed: 11.49.42
